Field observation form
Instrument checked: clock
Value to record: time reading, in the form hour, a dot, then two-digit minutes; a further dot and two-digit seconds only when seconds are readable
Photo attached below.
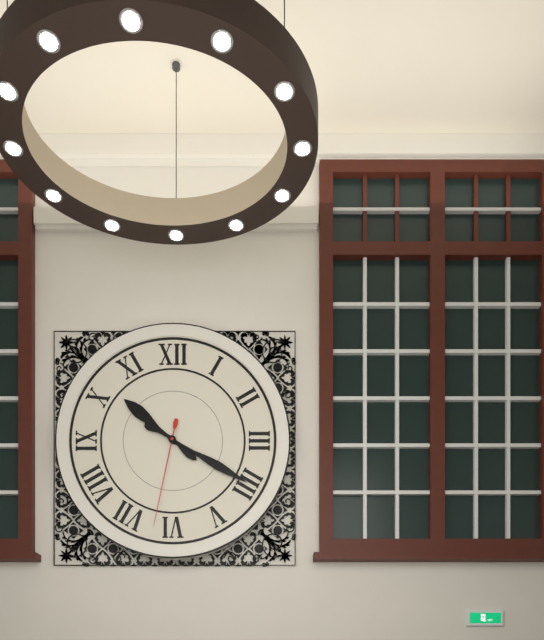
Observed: 10.20.32
